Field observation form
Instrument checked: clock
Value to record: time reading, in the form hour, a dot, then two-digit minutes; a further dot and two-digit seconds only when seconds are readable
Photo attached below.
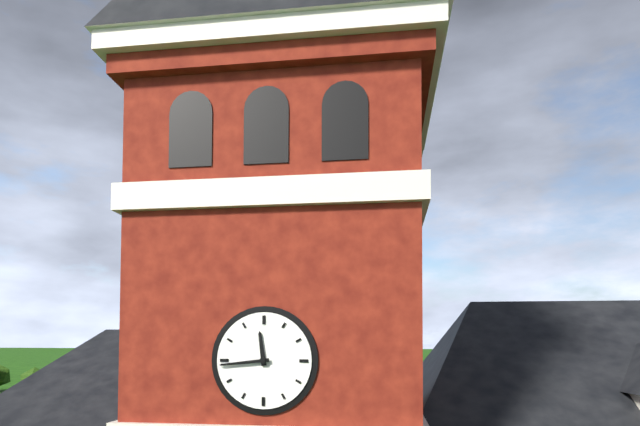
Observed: 11.44
